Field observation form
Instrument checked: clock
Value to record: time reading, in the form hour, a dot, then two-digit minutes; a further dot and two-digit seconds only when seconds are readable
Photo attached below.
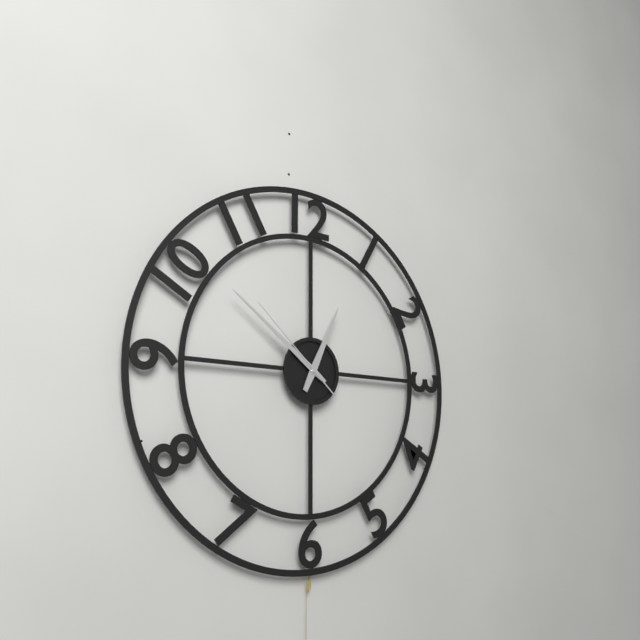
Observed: 12.51.52
